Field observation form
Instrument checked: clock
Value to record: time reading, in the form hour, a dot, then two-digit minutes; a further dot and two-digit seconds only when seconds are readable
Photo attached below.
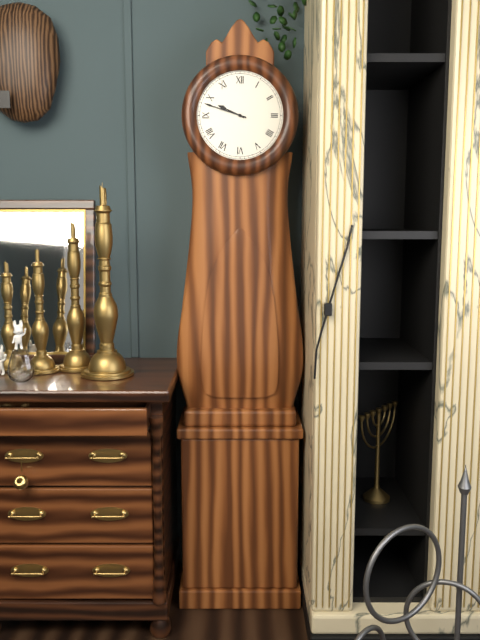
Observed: 9.48
